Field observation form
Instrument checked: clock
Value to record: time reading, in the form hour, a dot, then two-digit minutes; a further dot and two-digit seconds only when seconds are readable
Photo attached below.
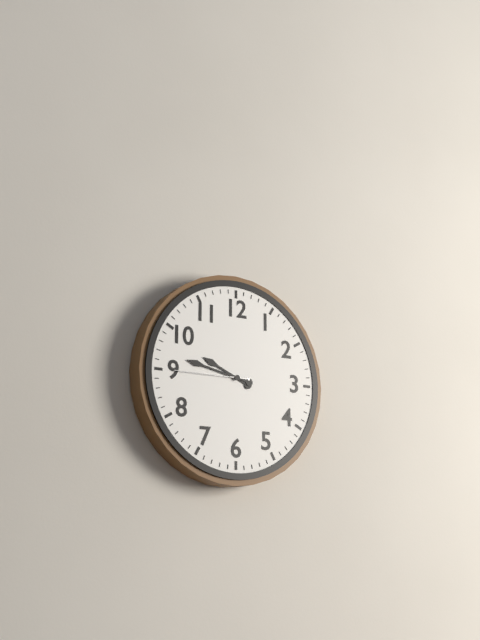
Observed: 9.47.45
